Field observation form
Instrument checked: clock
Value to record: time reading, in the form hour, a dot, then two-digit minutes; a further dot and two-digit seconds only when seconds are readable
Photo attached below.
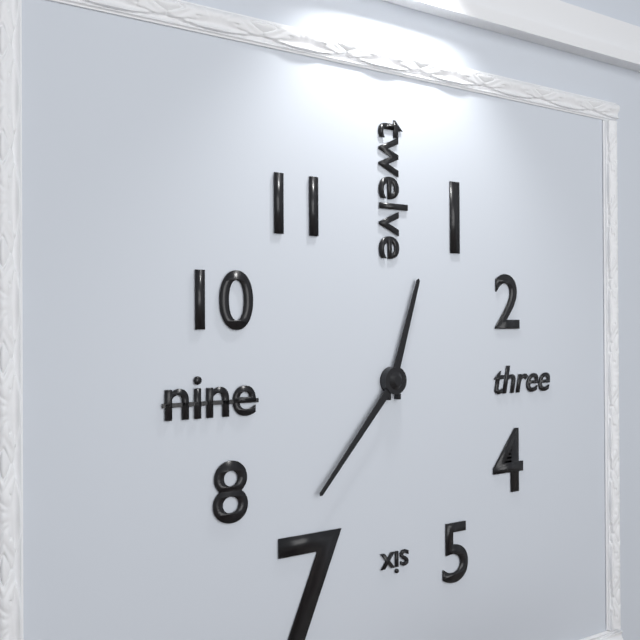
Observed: 12.37
